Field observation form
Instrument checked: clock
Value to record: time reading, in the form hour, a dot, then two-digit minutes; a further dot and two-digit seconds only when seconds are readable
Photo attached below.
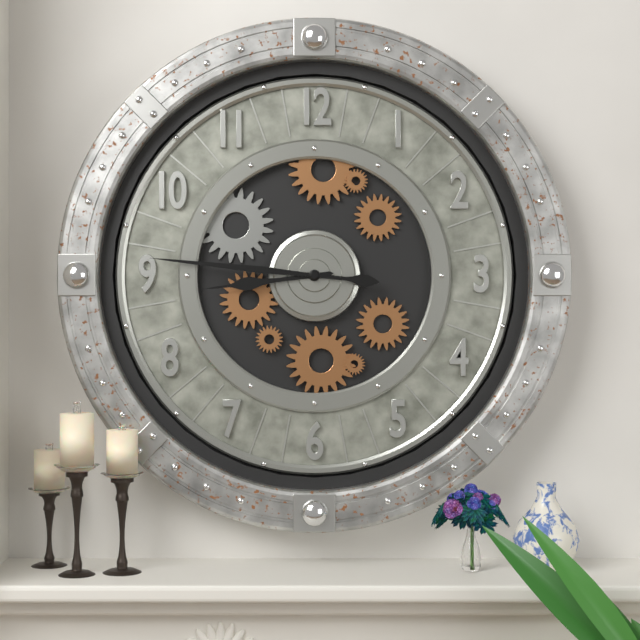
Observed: 8.46
